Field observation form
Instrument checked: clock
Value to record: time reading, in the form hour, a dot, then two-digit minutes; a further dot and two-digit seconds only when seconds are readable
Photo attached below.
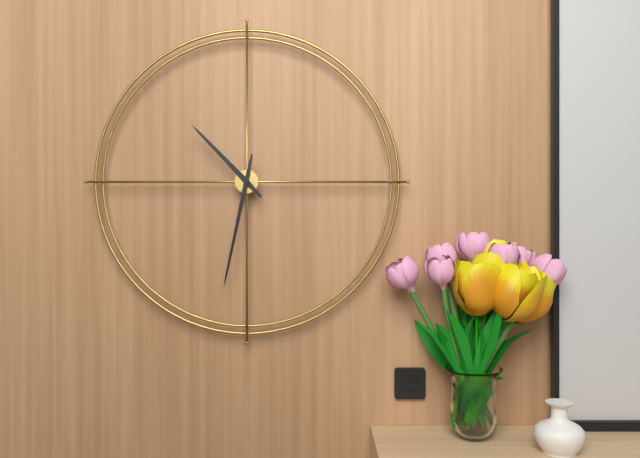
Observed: 10.32
